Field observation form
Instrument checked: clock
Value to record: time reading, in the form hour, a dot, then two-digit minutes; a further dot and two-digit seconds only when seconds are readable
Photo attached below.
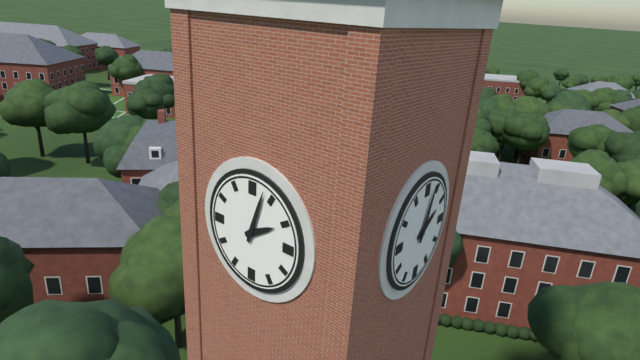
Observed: 2.03
